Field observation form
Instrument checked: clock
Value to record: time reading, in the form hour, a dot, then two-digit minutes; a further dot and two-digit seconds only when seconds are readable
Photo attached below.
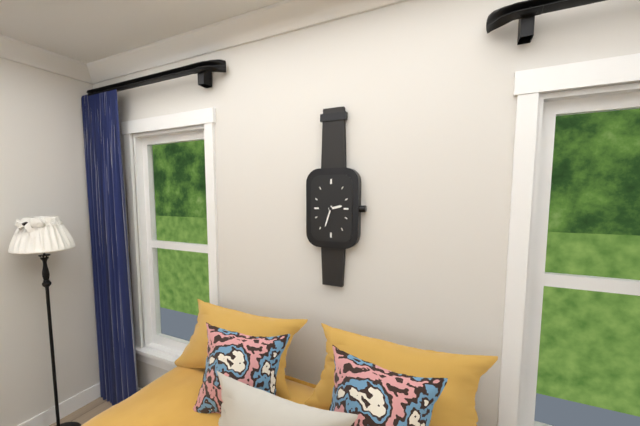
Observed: 2.33
